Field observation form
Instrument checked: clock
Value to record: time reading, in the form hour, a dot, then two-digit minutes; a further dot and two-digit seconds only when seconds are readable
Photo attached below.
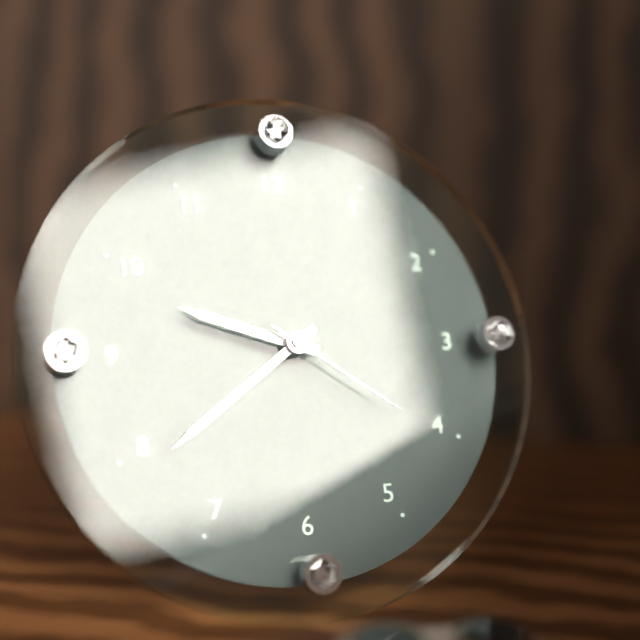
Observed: 9.39.21
